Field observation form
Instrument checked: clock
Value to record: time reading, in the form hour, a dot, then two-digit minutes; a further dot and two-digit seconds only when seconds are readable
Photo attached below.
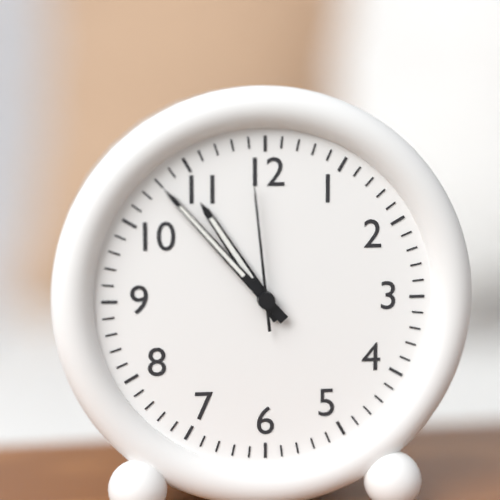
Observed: 10.53.59
